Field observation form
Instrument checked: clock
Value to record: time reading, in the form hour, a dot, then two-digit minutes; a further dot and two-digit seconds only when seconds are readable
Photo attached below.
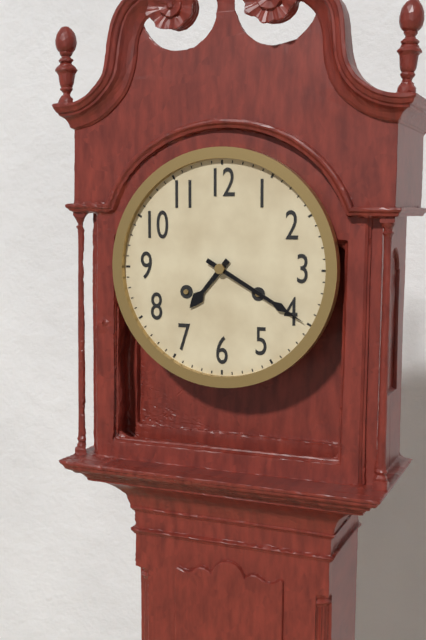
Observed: 7.20
